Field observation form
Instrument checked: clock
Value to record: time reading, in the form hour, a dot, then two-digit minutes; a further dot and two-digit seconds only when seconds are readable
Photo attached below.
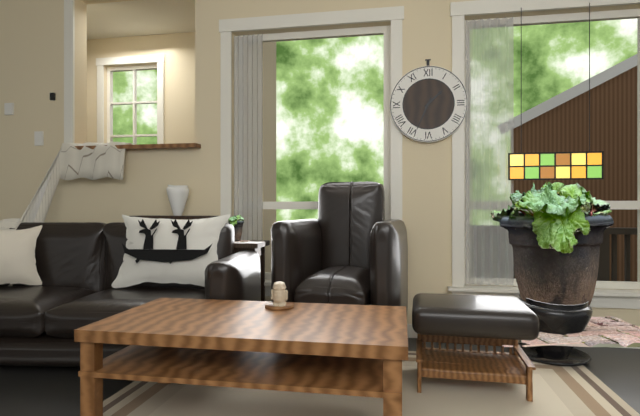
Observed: 1.34
